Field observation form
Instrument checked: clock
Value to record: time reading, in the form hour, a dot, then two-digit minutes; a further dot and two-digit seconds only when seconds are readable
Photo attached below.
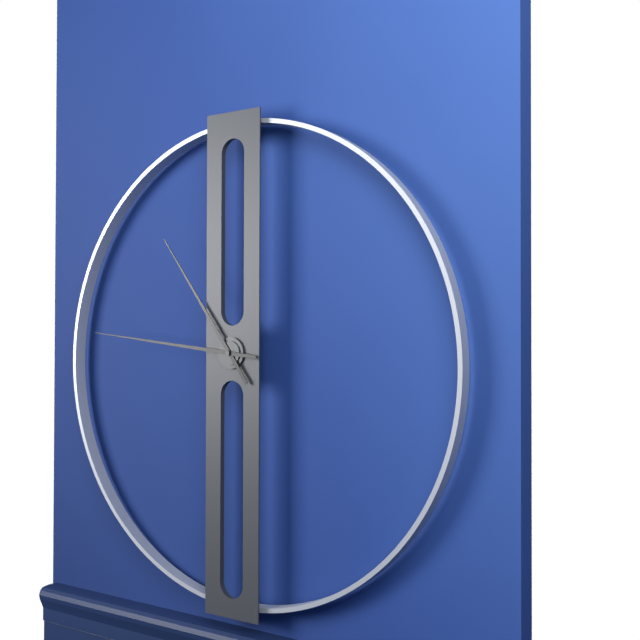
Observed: 10.46
